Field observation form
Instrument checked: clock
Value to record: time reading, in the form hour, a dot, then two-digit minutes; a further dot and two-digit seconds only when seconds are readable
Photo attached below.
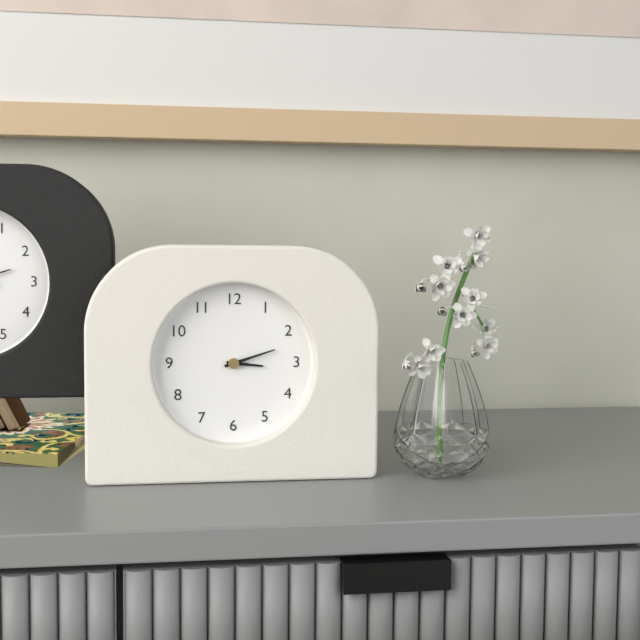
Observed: 3.12
